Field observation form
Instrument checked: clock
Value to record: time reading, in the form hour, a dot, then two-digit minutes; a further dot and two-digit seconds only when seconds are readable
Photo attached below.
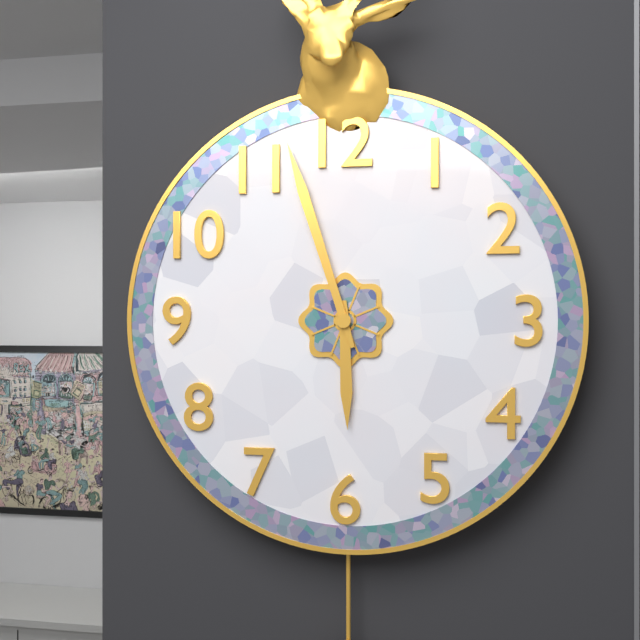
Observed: 5.57
